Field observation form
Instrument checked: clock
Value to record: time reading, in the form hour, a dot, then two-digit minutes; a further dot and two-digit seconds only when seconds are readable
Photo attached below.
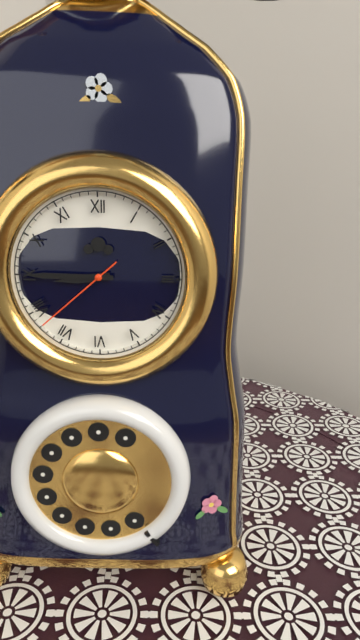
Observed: 8.45.38
